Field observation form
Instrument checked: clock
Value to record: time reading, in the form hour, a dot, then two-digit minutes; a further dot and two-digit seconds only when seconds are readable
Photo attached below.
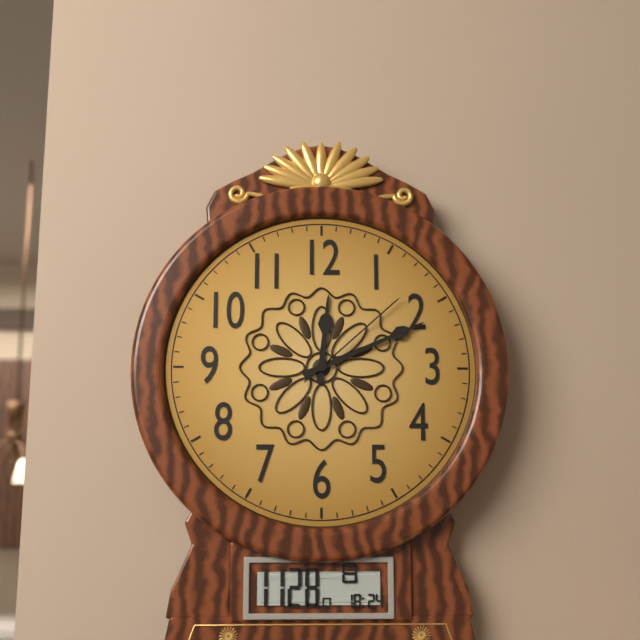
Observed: 12.11.08
